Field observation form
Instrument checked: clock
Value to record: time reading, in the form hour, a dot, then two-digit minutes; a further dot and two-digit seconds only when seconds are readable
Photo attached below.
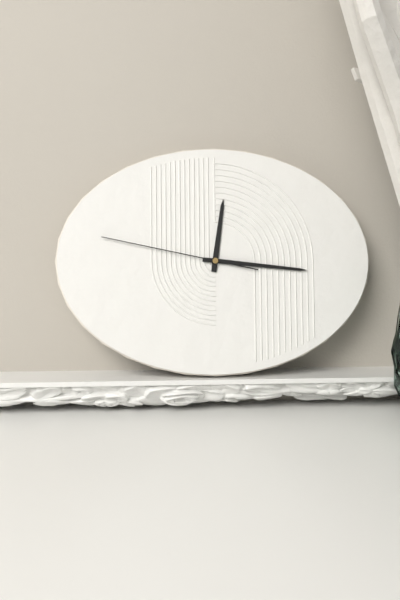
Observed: 12.16.47
